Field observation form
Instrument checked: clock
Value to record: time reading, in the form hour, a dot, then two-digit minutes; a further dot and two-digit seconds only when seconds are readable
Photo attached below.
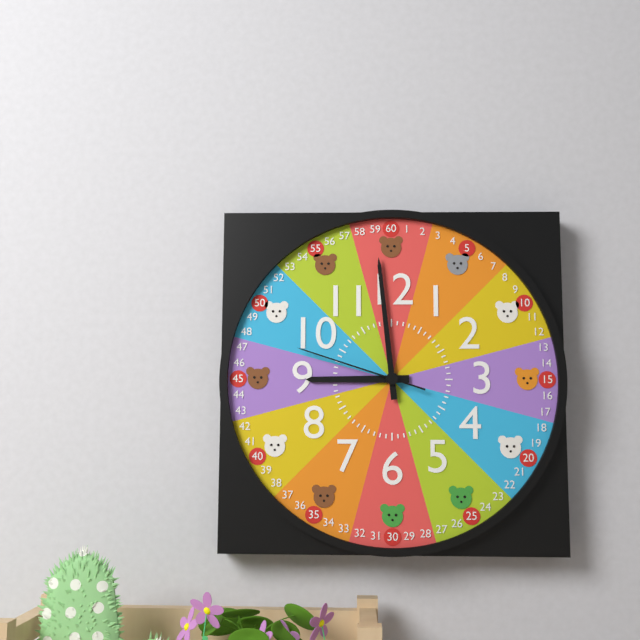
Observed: 8.59.48
